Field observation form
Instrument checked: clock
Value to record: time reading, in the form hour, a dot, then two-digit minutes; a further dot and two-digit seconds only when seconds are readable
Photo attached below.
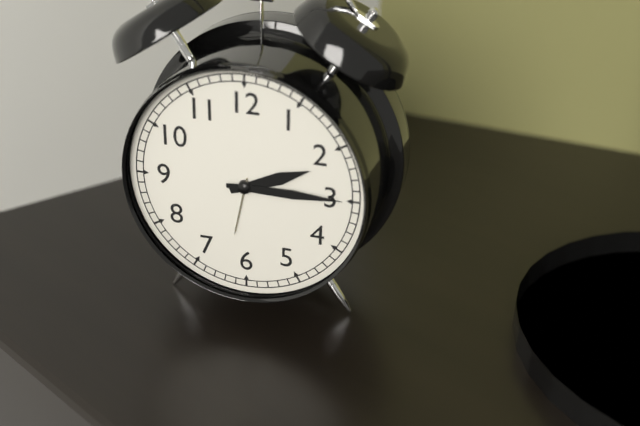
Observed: 2.15
